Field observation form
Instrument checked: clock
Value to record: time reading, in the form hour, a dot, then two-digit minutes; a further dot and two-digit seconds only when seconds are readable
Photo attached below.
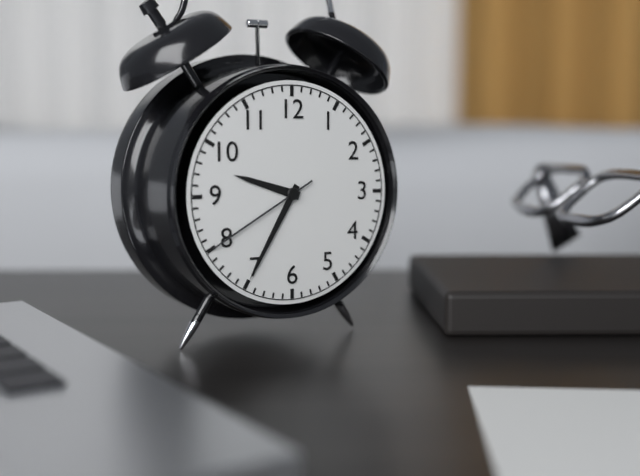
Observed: 9.35.40
